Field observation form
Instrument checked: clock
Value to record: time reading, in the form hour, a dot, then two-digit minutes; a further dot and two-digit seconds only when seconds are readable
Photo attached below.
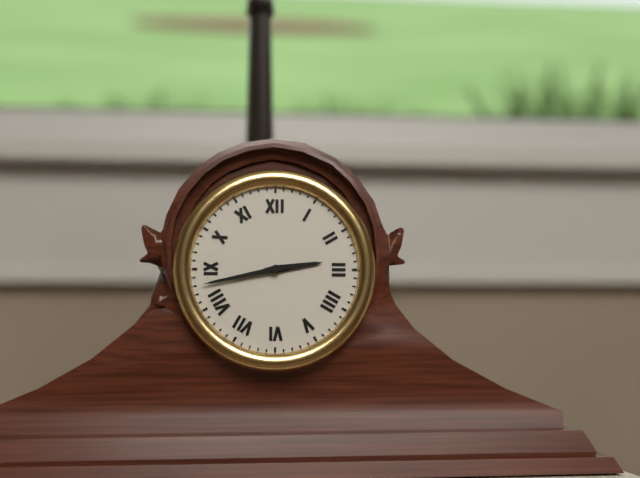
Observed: 2.43
